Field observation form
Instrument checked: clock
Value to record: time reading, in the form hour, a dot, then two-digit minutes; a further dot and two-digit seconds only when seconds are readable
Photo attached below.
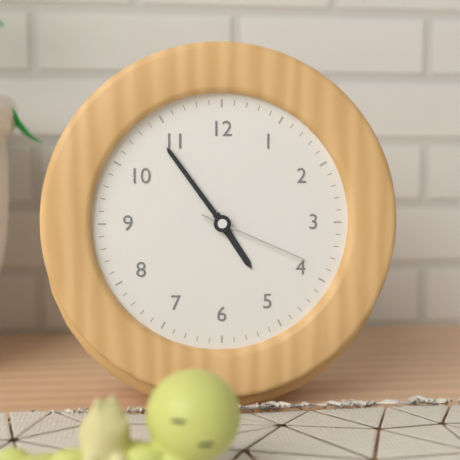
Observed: 4.54.19
